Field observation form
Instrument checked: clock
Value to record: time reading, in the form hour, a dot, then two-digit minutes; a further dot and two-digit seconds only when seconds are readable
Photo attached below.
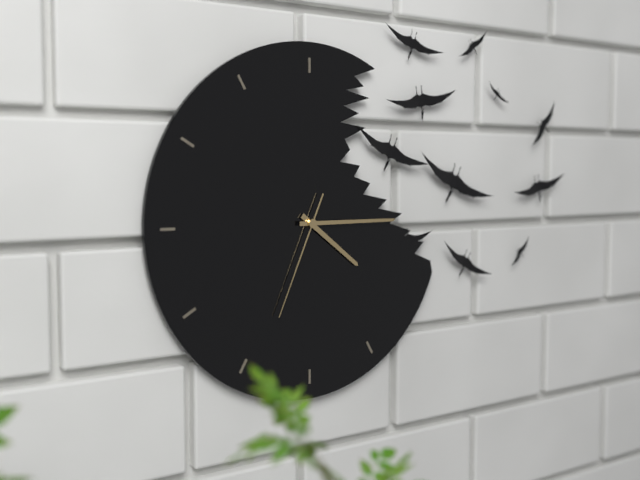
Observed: 4.15.34
